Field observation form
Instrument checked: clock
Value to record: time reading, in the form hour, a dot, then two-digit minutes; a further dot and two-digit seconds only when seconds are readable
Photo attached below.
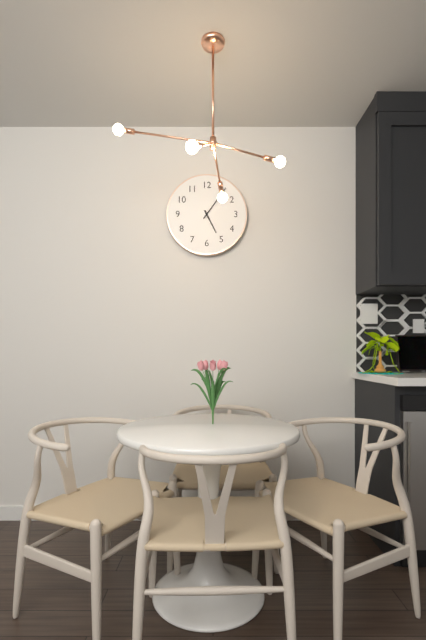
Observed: 5.06
